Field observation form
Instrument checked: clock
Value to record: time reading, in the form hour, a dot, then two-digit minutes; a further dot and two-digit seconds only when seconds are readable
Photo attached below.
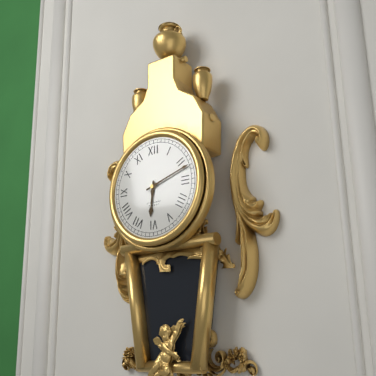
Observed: 6.12
